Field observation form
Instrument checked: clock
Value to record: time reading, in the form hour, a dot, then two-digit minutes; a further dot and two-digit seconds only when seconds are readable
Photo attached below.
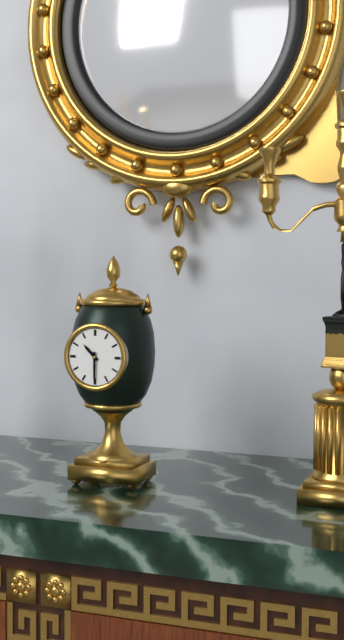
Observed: 10.30
